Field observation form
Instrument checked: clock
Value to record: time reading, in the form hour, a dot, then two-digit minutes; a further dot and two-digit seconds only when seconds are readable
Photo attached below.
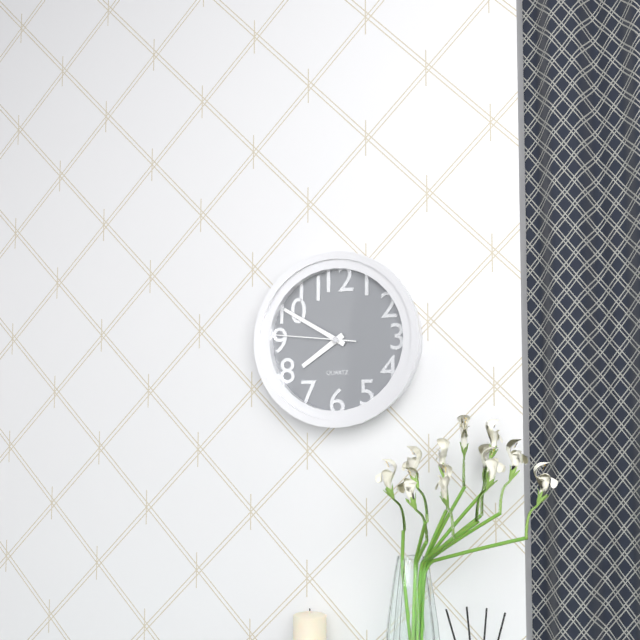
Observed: 7.50.46
